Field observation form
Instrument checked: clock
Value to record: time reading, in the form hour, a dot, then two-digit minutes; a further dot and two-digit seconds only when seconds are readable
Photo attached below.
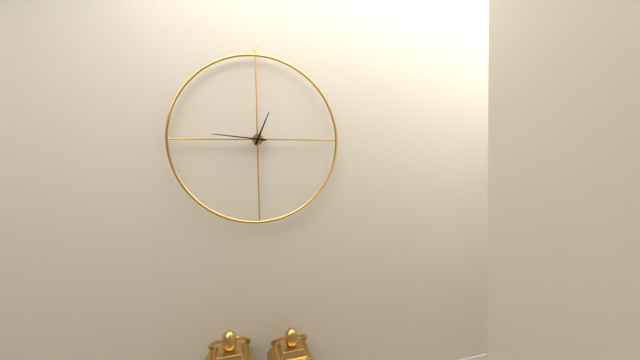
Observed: 12.46
